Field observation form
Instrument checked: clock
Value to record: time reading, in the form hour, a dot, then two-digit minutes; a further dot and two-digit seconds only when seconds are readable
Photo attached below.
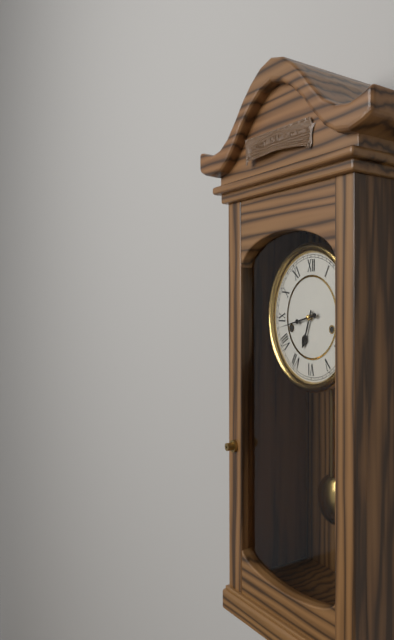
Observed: 6.43
